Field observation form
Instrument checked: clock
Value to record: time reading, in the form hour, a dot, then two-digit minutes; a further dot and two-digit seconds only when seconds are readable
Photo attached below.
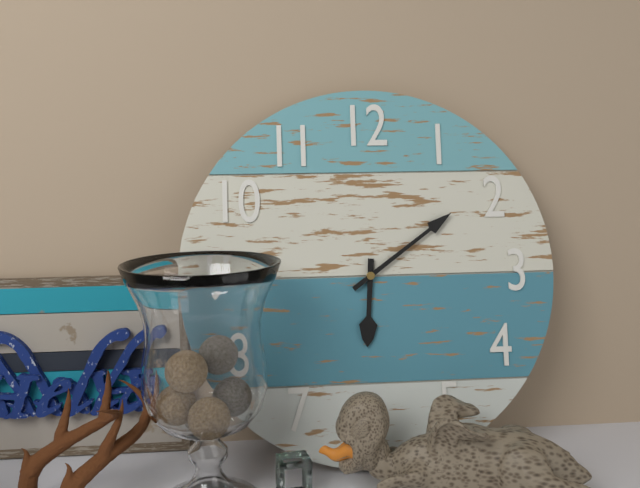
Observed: 6.09
